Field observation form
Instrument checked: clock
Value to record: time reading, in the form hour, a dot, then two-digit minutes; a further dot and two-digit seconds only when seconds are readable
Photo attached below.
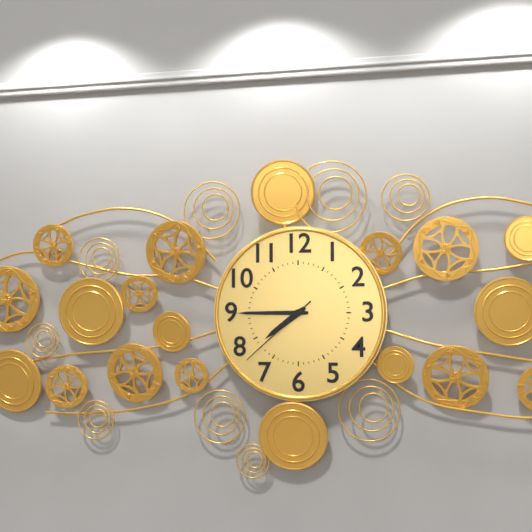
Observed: 7.45.38
